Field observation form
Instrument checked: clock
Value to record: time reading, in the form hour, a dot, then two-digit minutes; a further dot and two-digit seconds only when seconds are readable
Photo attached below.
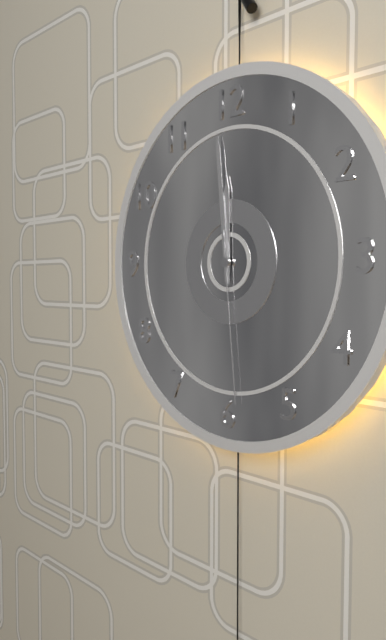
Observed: 11.59.29
